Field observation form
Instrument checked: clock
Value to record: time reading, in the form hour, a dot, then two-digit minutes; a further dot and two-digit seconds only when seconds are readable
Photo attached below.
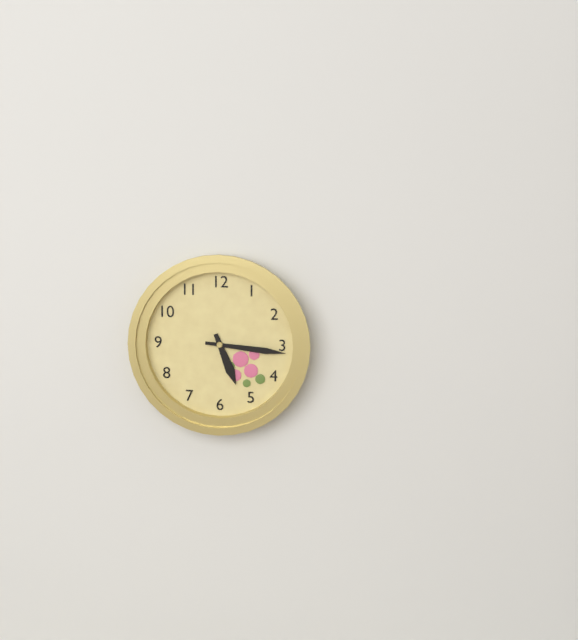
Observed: 5.16
